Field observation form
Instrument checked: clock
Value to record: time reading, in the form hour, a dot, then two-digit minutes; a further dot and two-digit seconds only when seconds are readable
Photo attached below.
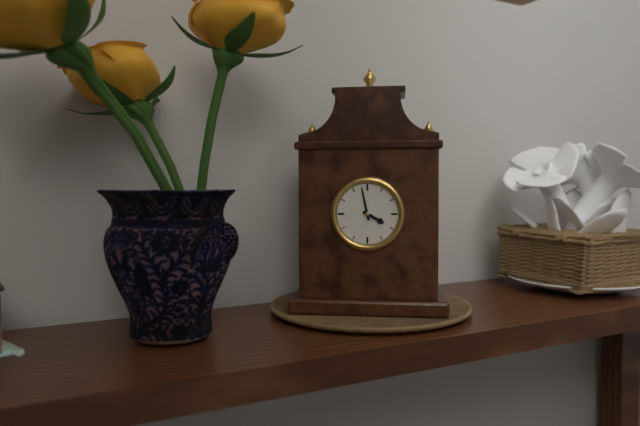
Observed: 3.58
